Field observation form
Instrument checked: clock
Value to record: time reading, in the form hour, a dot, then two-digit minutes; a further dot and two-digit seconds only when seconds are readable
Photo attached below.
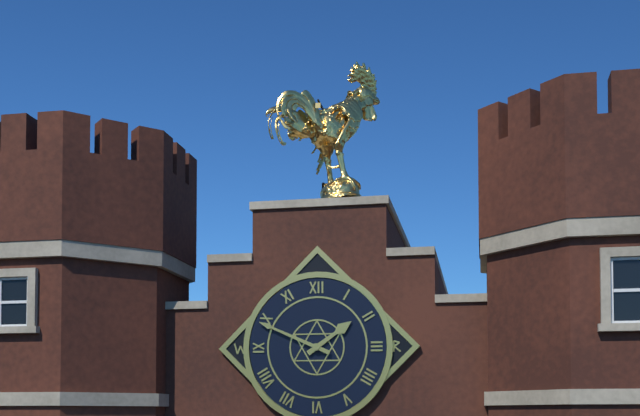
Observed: 1.49
